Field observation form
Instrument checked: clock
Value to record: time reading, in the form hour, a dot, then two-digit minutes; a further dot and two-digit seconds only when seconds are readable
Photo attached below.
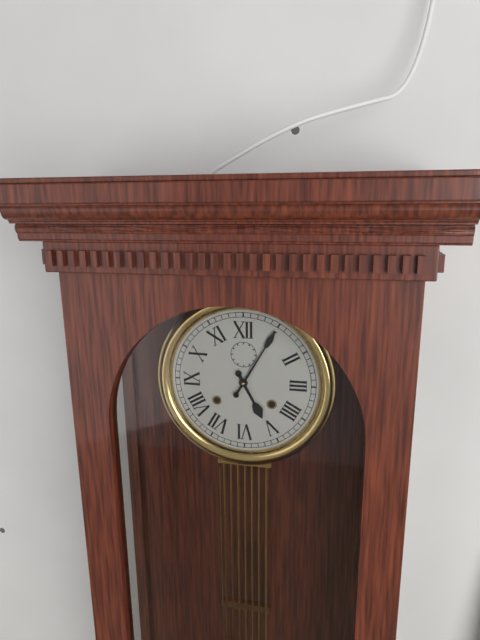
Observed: 5.05
